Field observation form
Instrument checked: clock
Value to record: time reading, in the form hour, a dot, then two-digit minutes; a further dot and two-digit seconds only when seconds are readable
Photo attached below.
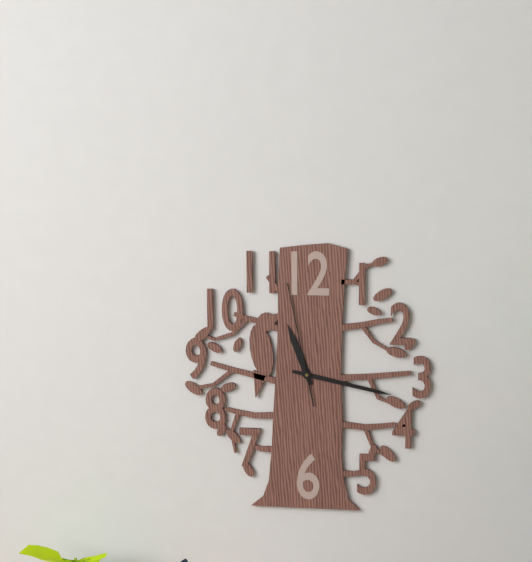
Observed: 11.17.58
